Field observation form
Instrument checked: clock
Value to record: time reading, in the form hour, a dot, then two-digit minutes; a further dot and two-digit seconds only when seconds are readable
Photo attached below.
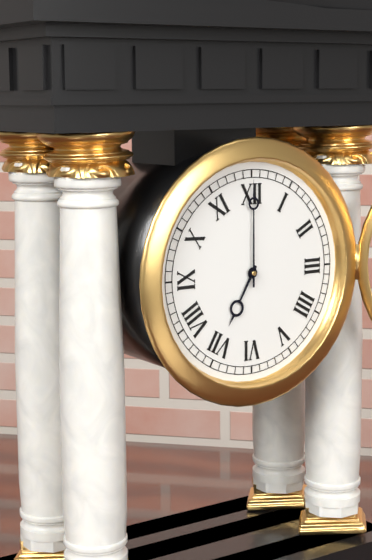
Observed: 7.00
